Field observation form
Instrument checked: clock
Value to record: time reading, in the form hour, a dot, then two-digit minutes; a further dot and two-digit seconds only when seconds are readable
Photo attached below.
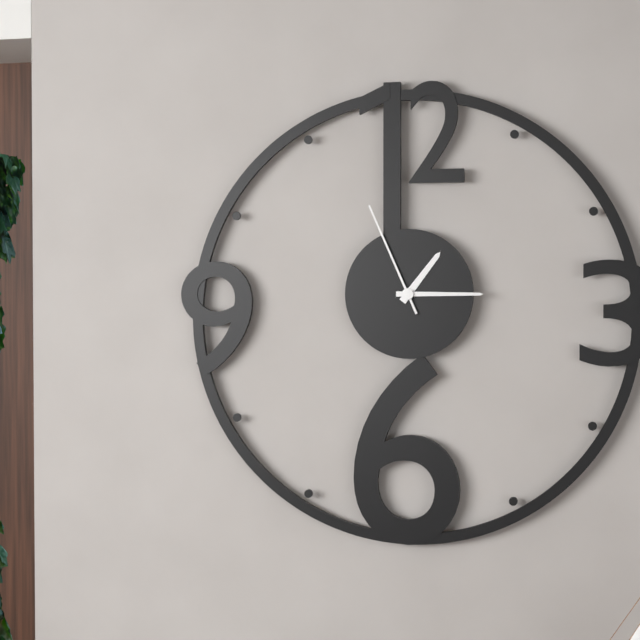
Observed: 1.15.56
